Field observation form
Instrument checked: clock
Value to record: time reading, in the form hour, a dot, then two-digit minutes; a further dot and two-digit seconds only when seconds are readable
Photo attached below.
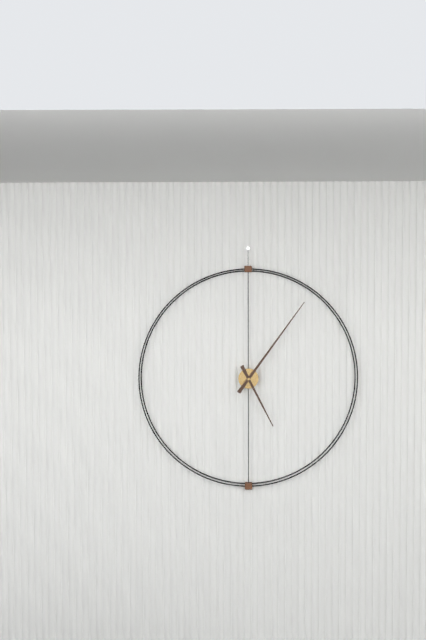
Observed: 5.06
